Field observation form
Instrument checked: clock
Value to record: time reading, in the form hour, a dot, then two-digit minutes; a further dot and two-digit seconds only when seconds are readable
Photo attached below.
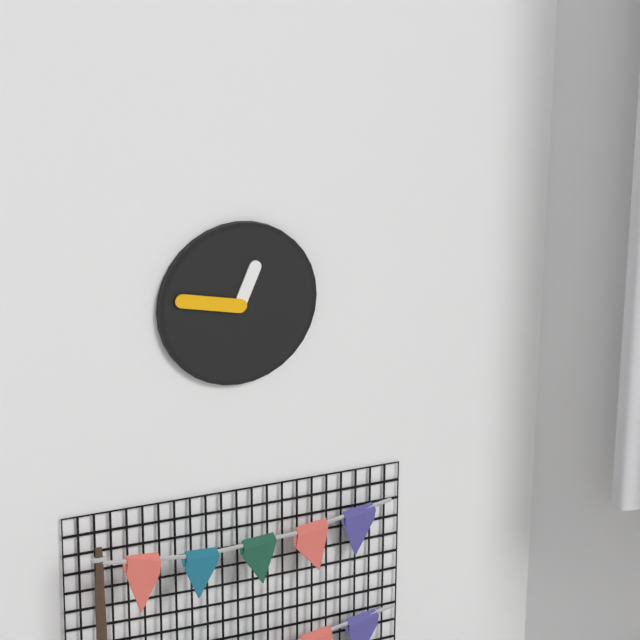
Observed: 12.47
